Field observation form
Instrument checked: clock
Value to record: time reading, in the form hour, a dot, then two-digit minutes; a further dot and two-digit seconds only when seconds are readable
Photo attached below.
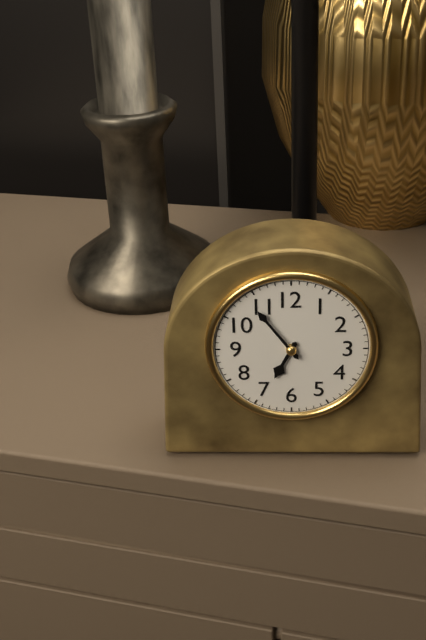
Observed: 6.54
